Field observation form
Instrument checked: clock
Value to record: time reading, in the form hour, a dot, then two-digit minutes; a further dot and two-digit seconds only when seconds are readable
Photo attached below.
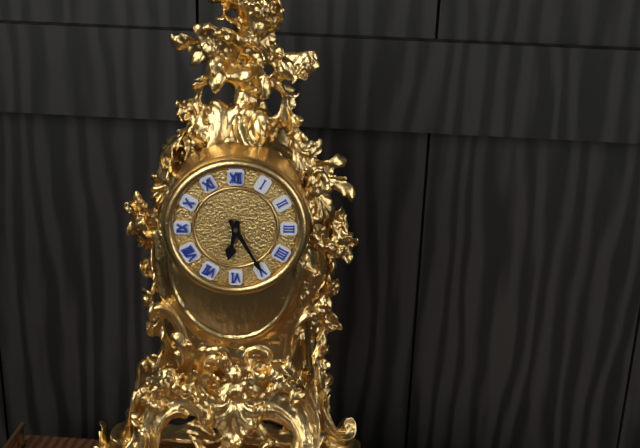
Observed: 6.25
